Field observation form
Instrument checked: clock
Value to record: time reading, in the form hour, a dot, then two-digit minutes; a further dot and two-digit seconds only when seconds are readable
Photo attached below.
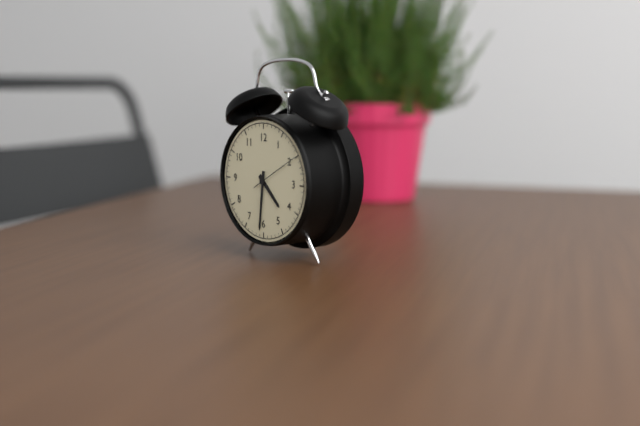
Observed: 4.31
